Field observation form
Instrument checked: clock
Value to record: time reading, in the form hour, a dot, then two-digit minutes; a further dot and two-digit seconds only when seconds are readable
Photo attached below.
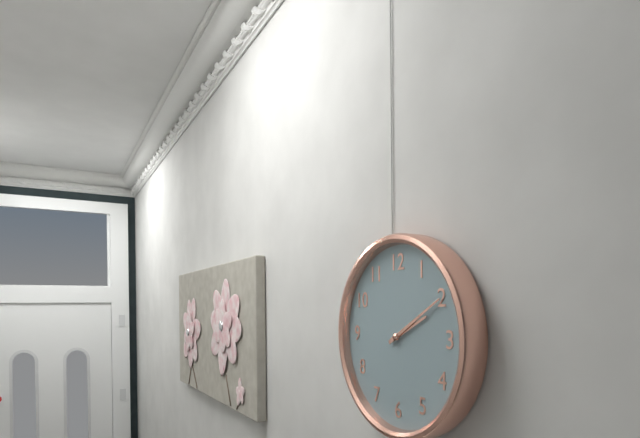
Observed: 2.10
